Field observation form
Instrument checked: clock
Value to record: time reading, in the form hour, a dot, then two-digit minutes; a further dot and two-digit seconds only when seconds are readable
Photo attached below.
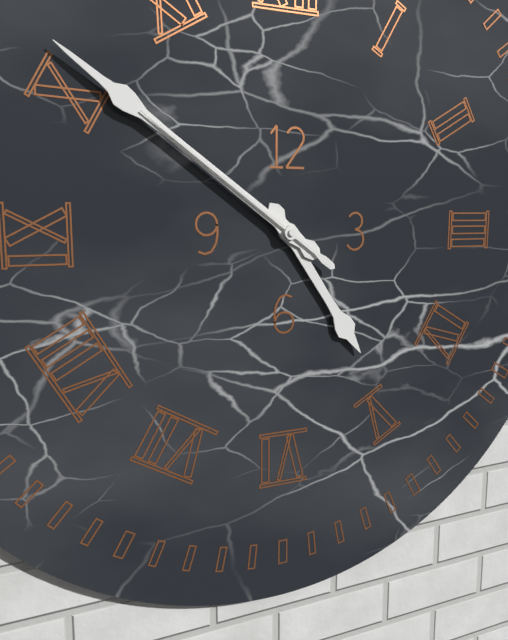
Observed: 4.51.51
